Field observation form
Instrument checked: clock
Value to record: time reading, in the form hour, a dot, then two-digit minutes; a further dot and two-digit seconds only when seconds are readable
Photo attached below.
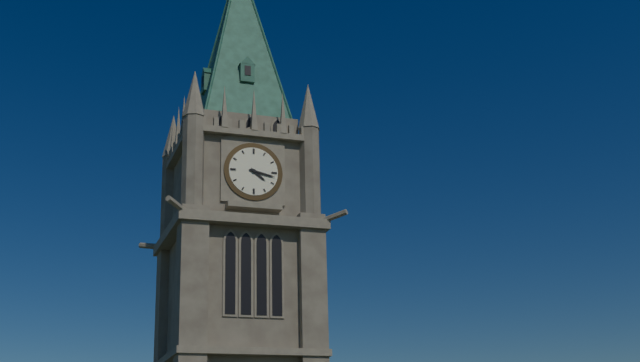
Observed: 4.17
